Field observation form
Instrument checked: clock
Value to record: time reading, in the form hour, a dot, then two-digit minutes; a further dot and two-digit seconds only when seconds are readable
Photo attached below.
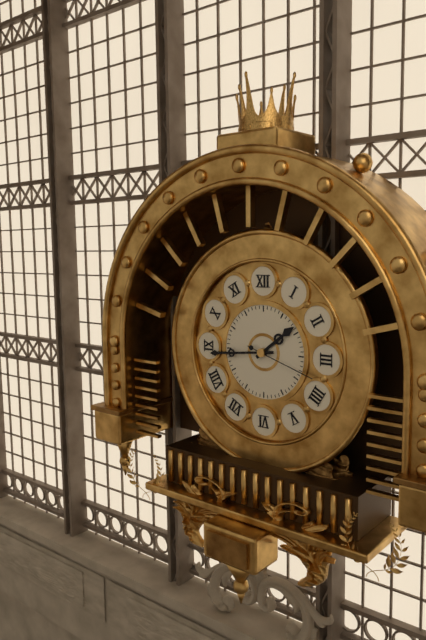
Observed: 1.44.18
